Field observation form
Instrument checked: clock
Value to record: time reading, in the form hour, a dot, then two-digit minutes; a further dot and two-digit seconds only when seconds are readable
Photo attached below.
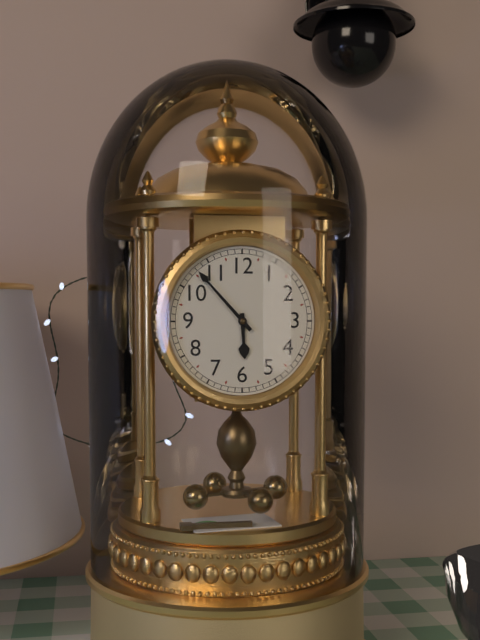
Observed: 5.53
